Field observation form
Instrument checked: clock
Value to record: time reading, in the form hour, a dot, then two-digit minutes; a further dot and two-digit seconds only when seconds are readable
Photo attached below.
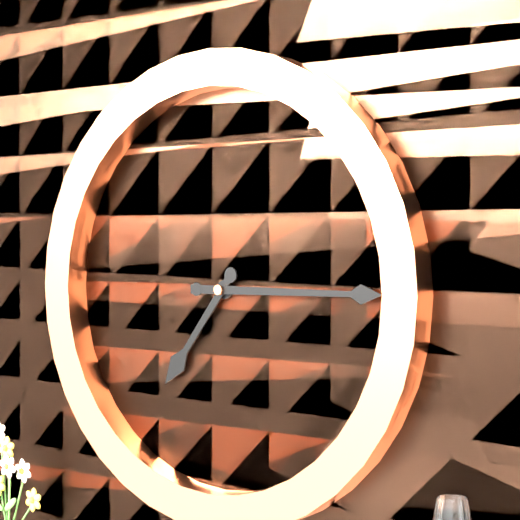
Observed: 7.15
